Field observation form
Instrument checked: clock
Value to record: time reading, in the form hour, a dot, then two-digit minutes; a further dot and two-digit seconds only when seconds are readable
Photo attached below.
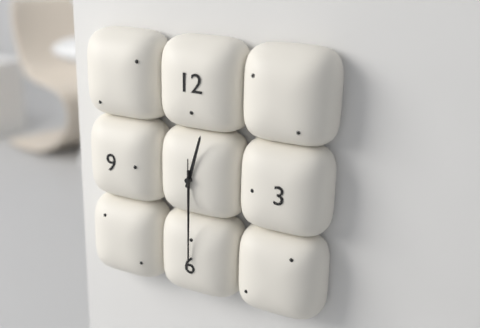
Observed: 12.30.30
